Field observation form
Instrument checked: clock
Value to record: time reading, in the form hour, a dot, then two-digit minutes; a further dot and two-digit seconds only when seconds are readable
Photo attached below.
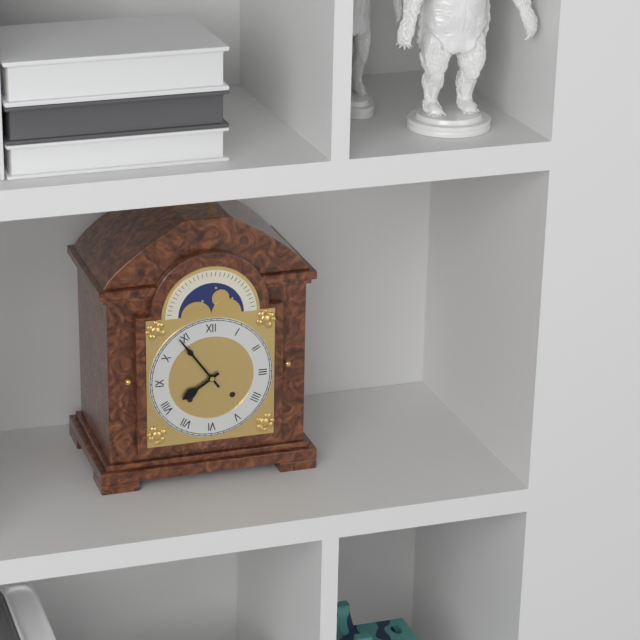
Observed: 7.54
